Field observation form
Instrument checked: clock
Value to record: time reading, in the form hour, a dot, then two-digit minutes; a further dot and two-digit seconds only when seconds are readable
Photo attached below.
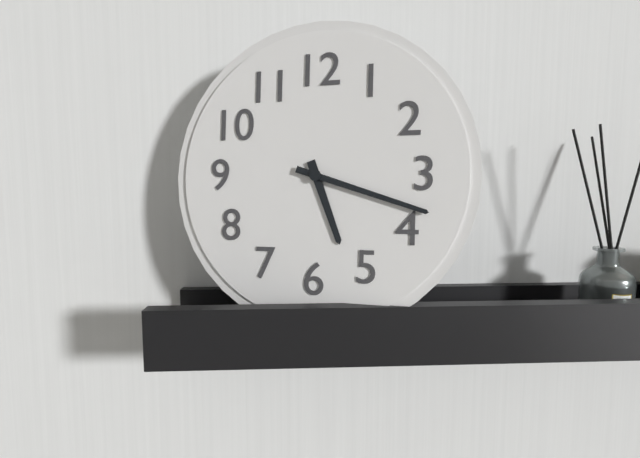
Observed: 5.18
